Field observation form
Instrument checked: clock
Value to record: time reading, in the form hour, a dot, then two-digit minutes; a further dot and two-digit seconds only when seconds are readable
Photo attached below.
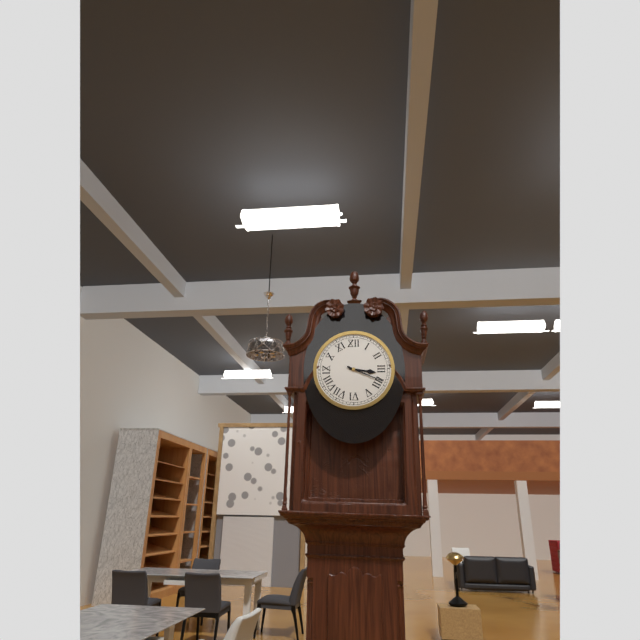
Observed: 3.19
